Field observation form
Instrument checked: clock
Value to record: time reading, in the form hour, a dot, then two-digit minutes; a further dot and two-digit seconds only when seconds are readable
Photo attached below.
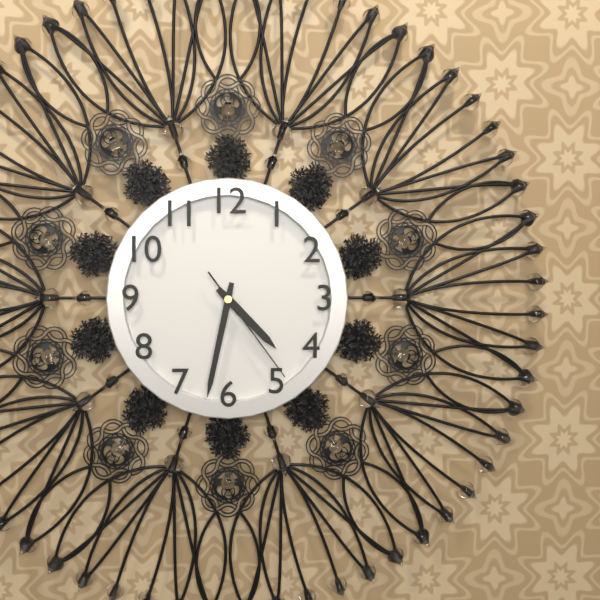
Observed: 4.32.24
